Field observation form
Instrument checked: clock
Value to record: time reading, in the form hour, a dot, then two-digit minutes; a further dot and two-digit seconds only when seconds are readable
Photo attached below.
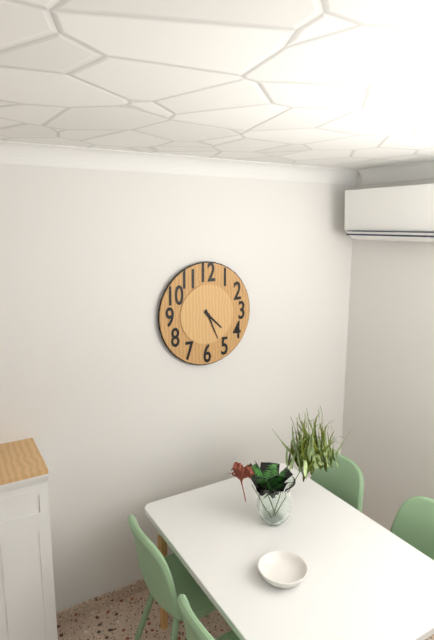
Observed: 4.26
